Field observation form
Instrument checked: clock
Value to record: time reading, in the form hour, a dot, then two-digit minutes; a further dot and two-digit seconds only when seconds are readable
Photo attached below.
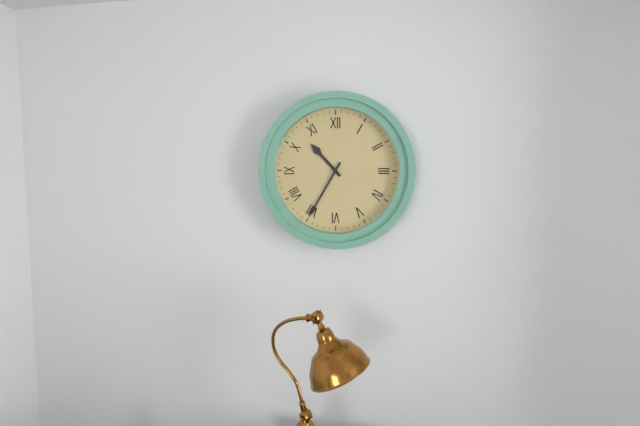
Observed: 10.35
